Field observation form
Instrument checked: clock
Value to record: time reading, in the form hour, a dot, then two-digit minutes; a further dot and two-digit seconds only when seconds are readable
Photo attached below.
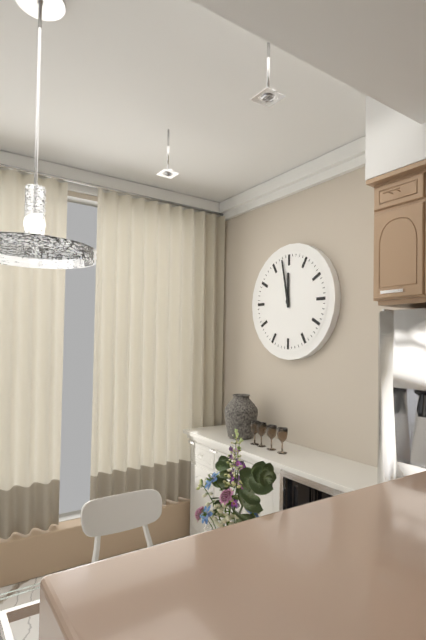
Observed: 11.58
